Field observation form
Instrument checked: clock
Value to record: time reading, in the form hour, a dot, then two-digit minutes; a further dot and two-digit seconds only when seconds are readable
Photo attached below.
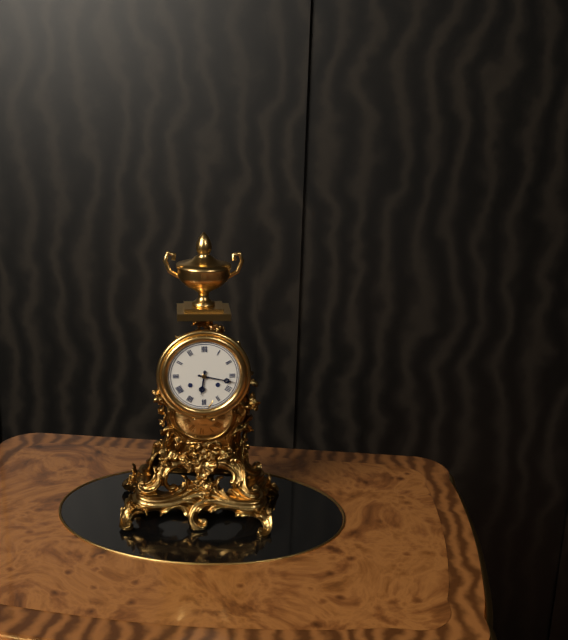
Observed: 6.17
